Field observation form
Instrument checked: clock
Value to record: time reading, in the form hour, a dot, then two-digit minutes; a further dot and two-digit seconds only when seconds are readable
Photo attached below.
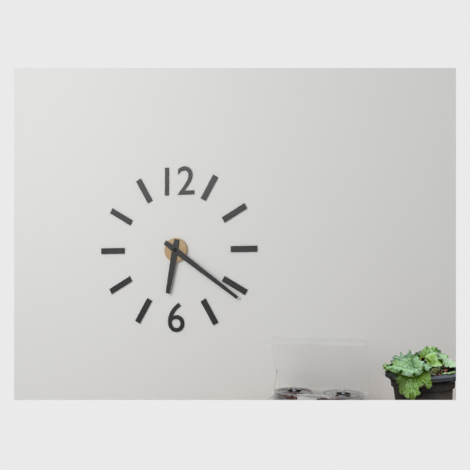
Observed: 6.21
